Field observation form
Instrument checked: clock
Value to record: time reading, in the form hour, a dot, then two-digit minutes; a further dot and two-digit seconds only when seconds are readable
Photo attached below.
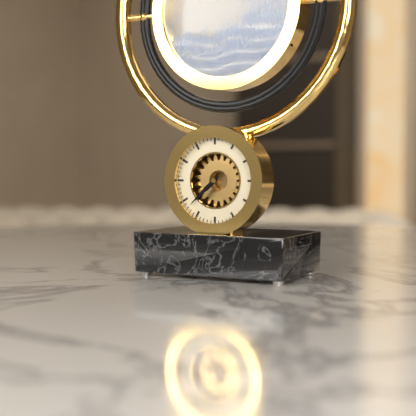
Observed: 7.38
